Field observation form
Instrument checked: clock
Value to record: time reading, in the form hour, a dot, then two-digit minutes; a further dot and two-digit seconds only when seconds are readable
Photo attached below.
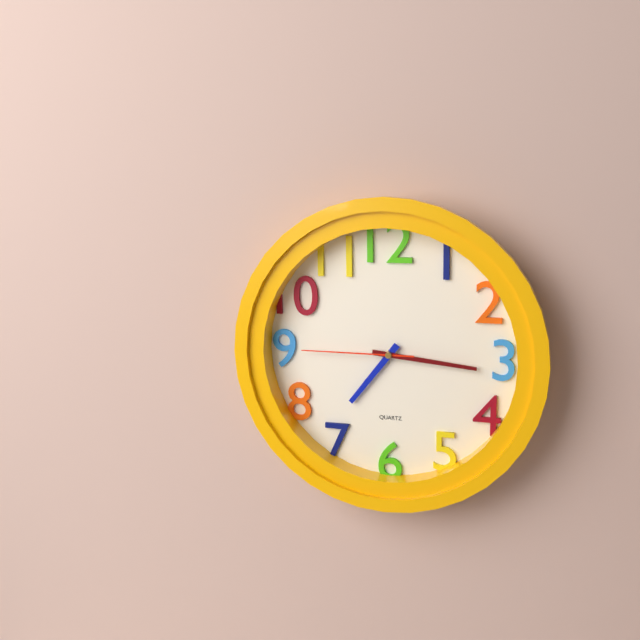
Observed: 7.16.45
